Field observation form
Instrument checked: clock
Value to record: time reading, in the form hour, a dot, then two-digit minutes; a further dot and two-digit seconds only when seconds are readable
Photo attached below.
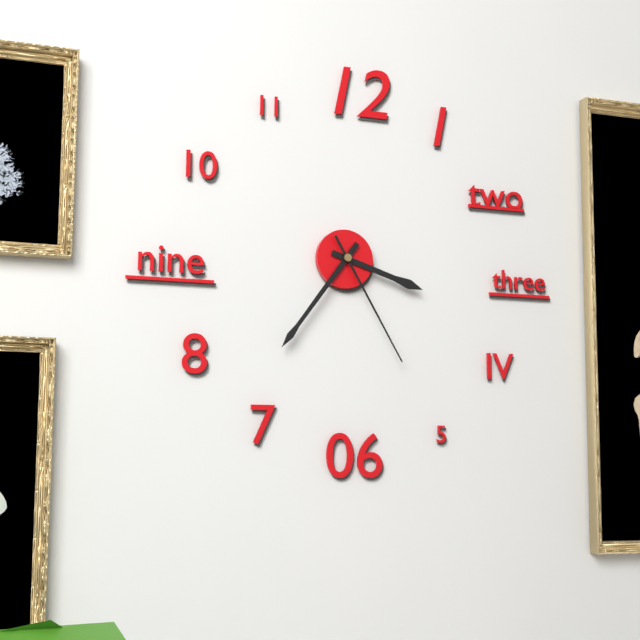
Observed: 3.36.25
